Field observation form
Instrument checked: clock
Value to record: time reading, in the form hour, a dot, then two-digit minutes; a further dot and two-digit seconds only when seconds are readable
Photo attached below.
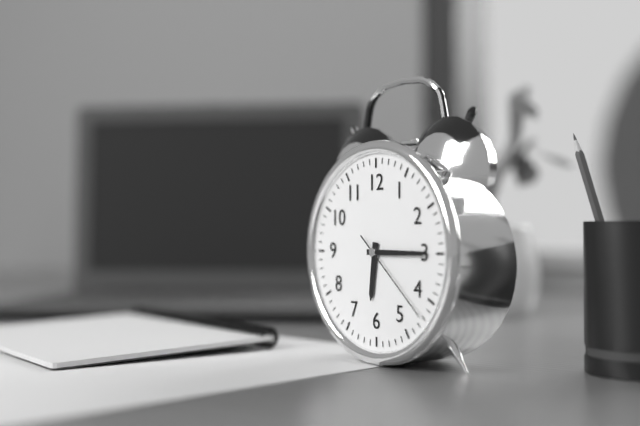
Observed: 6.15.22
